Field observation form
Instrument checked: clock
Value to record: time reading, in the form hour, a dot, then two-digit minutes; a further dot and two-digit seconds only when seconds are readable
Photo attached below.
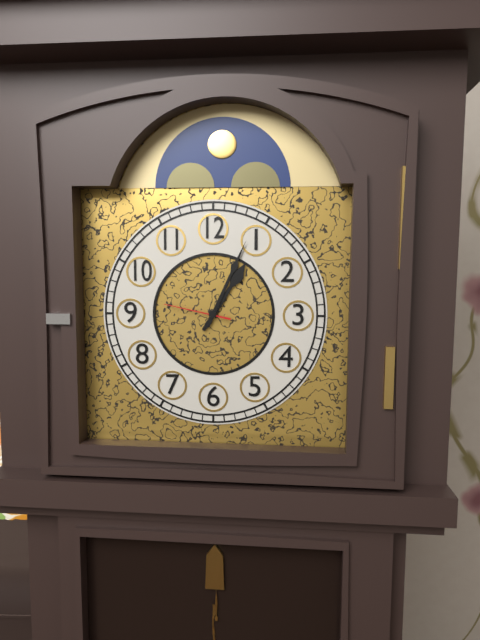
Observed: 1.04.47
